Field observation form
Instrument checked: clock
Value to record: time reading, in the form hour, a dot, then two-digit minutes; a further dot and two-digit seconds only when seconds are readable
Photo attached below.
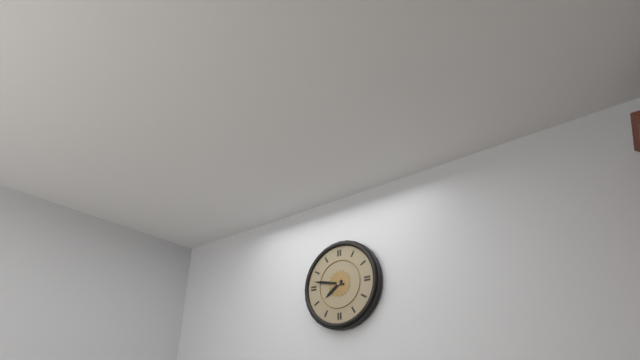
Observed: 7.47
